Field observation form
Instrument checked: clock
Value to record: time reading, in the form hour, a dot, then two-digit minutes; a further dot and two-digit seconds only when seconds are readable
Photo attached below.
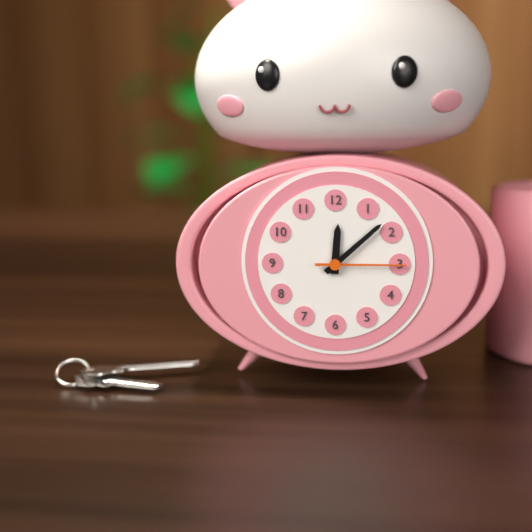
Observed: 12.08.15
